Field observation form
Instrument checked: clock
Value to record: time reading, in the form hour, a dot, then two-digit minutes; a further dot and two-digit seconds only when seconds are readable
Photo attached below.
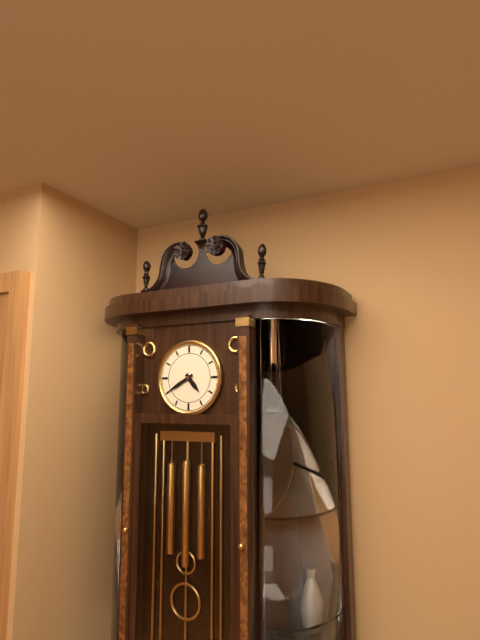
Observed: 4.40
